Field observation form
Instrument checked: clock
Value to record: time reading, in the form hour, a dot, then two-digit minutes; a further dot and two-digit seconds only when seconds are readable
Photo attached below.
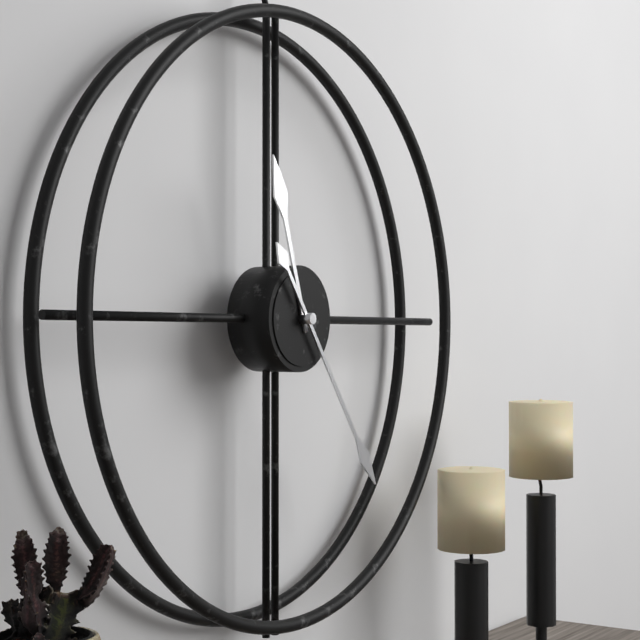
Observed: 11.24
